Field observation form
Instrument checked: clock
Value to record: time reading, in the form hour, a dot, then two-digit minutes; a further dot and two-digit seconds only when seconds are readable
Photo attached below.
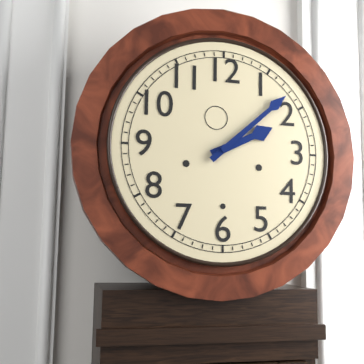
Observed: 2.08
